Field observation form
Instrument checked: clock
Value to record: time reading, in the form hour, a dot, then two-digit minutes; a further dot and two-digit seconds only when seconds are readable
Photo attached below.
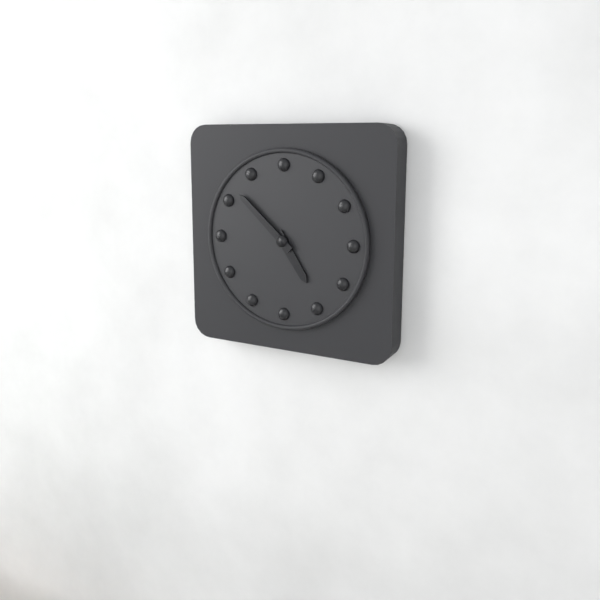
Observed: 4.52
